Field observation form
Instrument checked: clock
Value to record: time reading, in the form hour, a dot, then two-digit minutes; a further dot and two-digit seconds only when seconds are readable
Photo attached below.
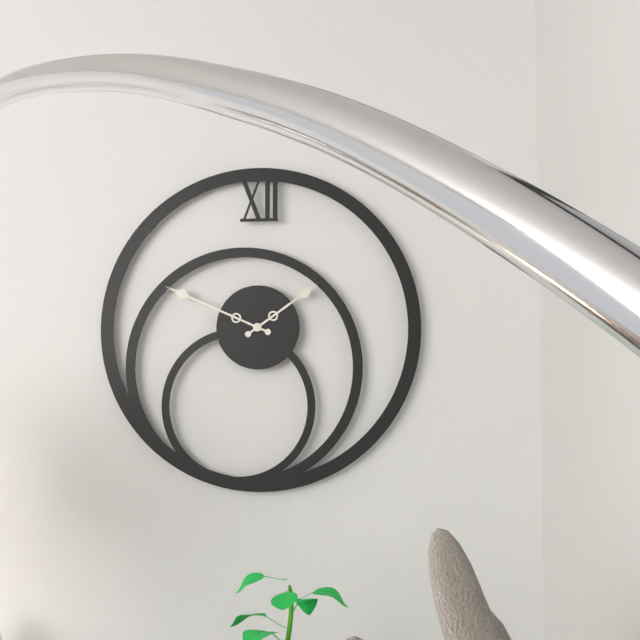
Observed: 1.49
